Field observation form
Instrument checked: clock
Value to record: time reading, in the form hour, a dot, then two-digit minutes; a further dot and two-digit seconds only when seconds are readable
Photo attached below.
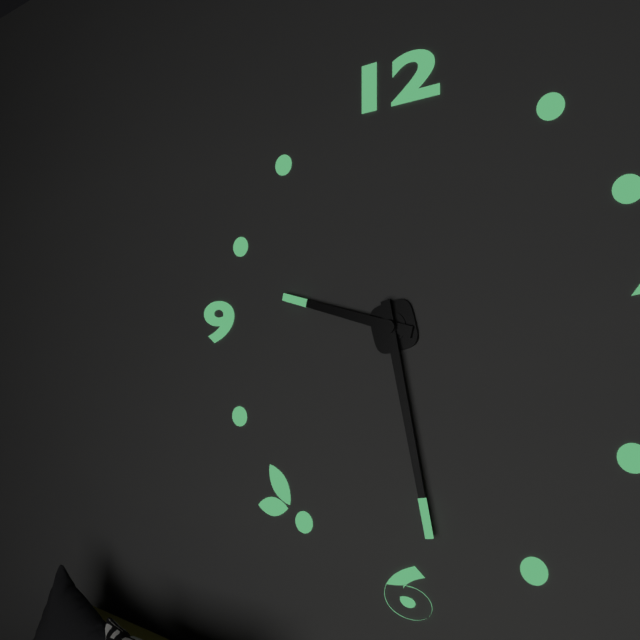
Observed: 9.28
